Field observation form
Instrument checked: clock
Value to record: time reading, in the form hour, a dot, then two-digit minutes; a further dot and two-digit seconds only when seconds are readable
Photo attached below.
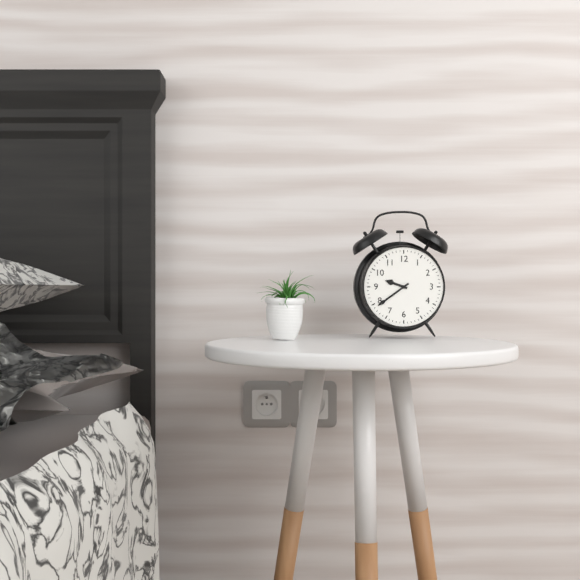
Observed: 9.39
